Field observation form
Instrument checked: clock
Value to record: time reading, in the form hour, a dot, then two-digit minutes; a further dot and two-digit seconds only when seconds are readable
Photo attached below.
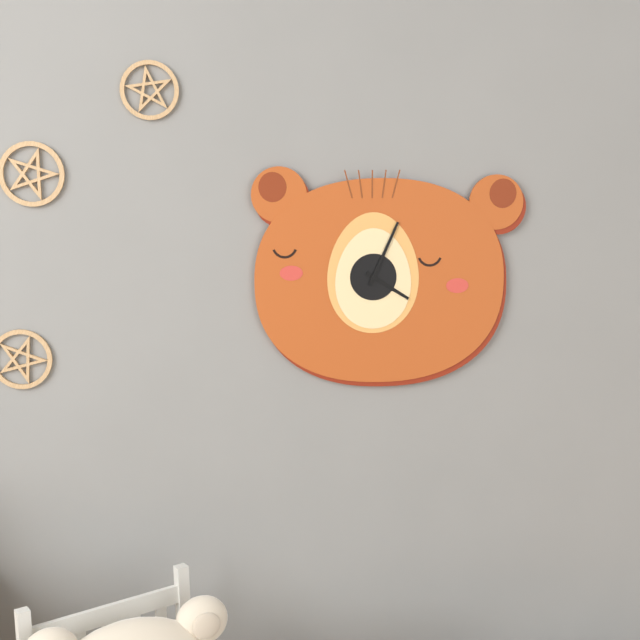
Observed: 4.04
